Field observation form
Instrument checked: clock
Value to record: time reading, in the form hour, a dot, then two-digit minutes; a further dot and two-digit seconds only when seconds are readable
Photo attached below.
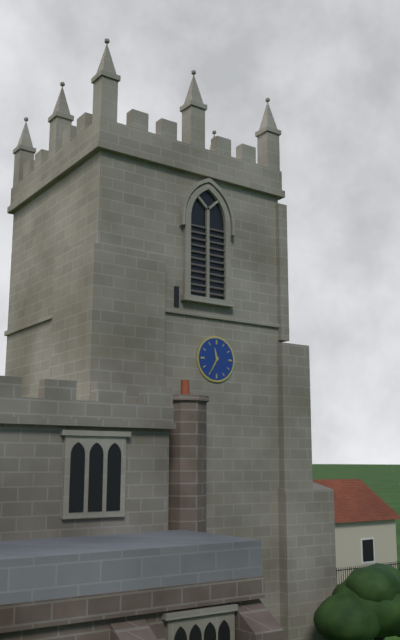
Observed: 11.35
